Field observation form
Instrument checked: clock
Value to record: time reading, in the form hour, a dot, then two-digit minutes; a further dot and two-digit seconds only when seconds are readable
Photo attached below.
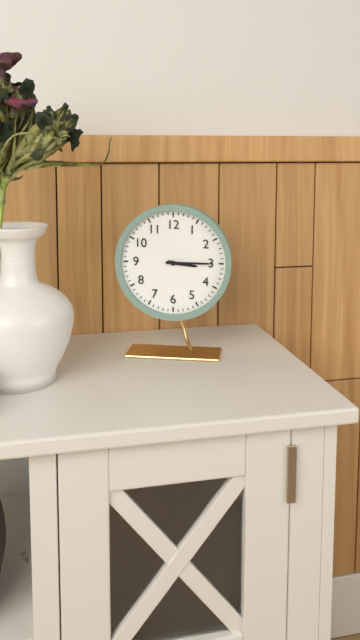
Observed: 3.15
